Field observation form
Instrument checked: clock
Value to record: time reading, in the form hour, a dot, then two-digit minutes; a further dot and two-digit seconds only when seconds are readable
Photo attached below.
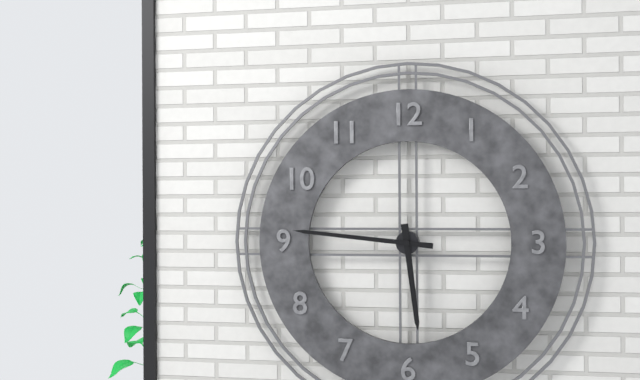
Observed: 5.46
